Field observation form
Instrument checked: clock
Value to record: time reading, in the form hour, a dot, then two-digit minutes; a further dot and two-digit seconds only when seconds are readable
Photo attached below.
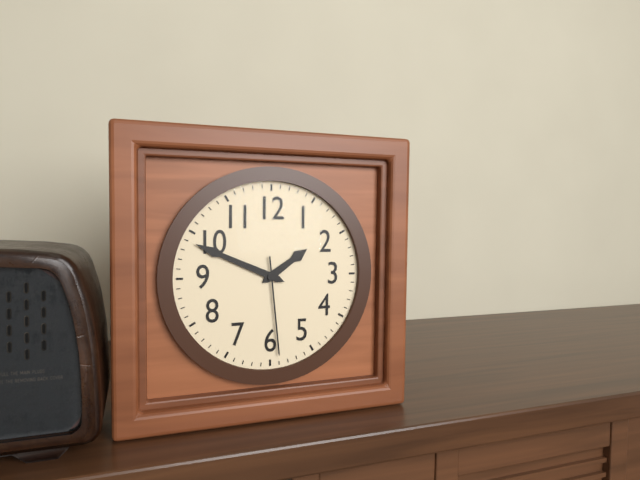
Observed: 1.49.29
